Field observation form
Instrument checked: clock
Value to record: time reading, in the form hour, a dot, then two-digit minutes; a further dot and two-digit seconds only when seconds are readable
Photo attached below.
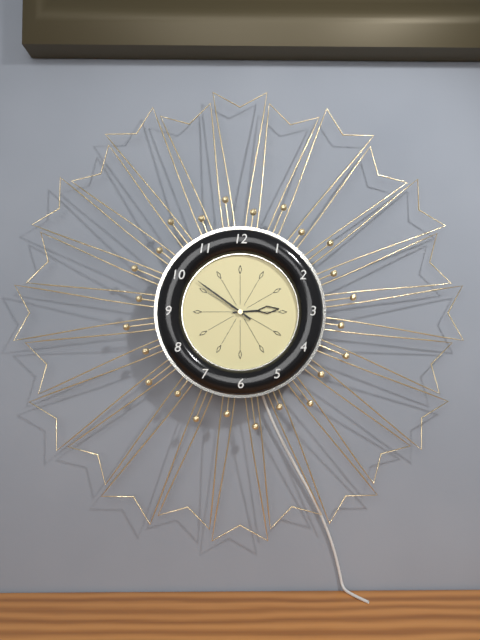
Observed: 2.51
